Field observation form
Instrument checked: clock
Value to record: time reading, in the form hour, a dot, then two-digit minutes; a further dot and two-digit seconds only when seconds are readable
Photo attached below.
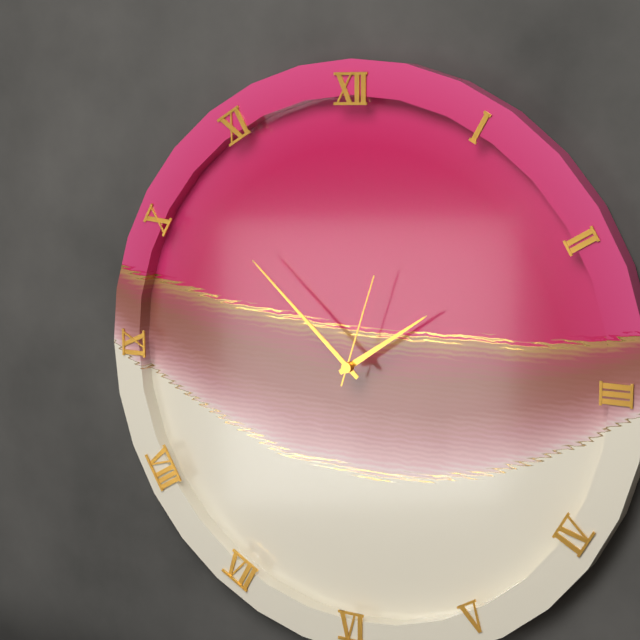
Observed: 1.52.03
